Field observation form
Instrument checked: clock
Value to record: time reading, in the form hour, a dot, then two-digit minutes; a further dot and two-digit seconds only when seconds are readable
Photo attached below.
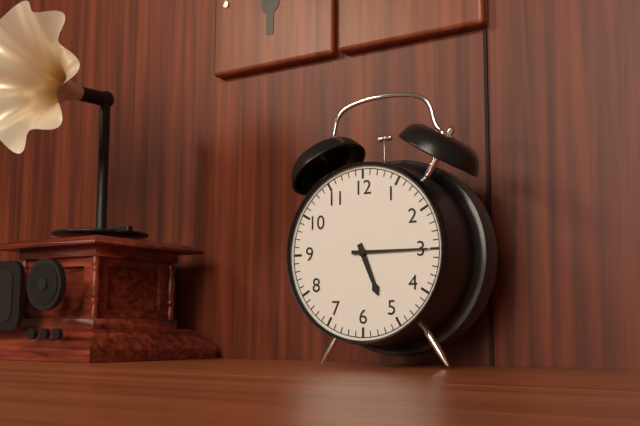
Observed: 5.15
